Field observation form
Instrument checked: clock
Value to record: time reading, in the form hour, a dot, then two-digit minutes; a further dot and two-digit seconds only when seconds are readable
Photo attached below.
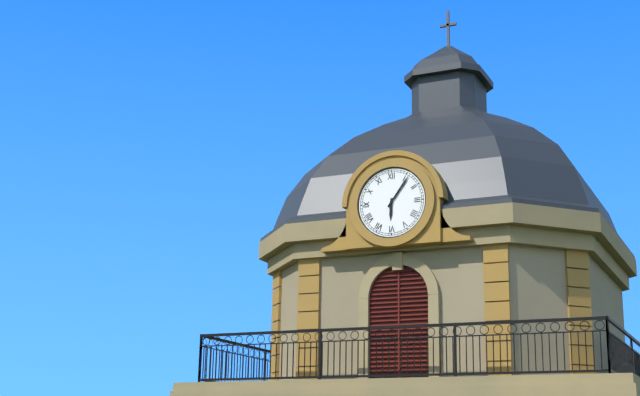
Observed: 6.06
